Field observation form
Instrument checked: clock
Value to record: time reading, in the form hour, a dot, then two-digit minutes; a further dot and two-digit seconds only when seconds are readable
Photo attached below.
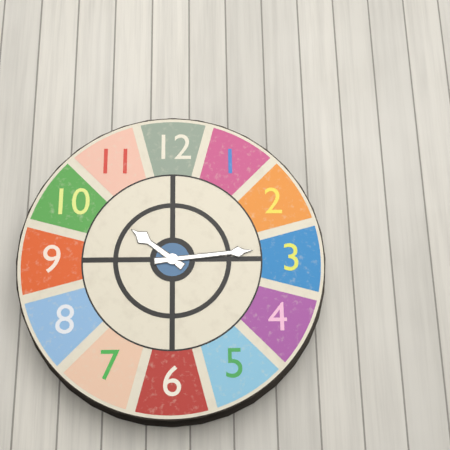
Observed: 10.14
